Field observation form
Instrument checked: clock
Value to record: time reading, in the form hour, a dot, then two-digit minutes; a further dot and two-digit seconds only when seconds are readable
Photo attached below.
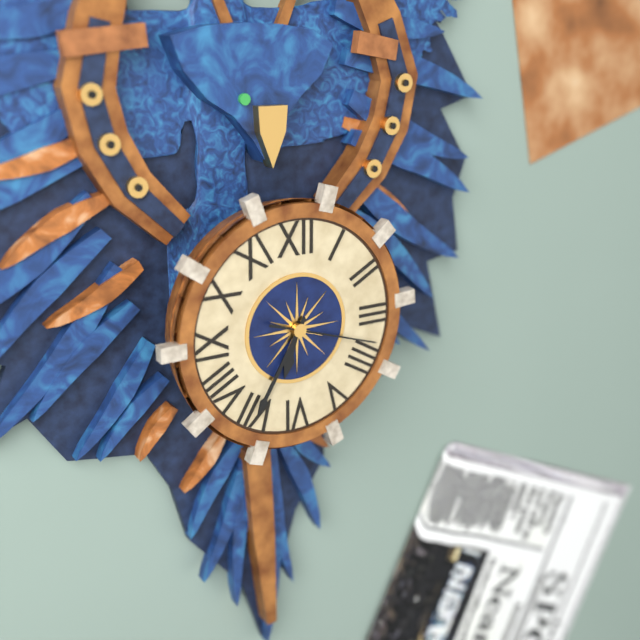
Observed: 6.35.18
